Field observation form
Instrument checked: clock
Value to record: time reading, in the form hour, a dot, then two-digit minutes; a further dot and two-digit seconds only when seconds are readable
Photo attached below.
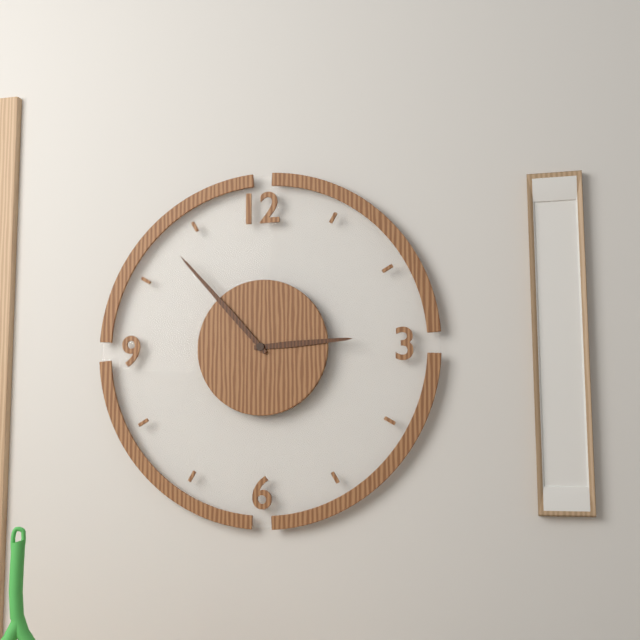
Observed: 2.53
